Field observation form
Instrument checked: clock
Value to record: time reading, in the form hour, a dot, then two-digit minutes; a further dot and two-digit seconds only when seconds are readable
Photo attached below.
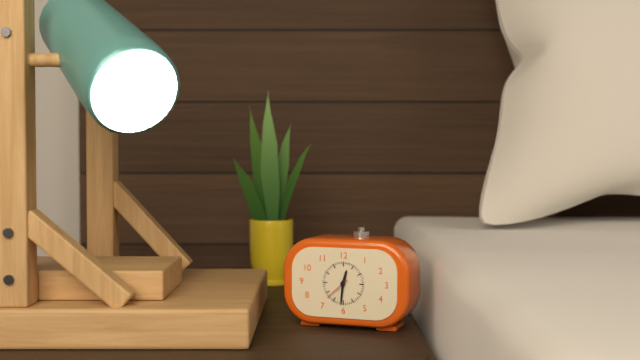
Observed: 12.31
